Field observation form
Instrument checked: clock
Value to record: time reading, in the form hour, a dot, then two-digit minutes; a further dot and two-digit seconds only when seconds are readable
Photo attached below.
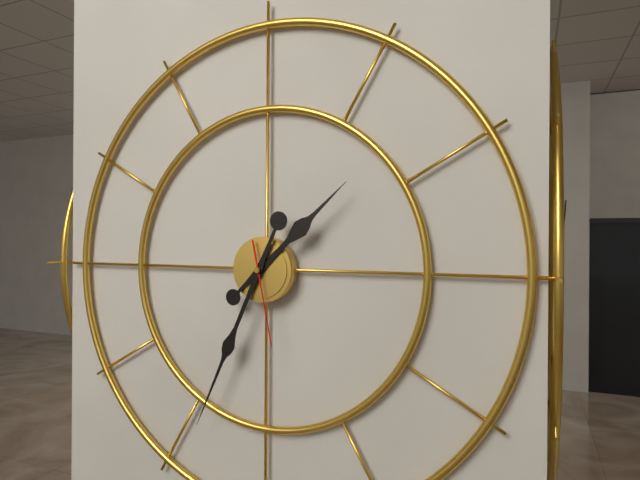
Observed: 1.34.28
